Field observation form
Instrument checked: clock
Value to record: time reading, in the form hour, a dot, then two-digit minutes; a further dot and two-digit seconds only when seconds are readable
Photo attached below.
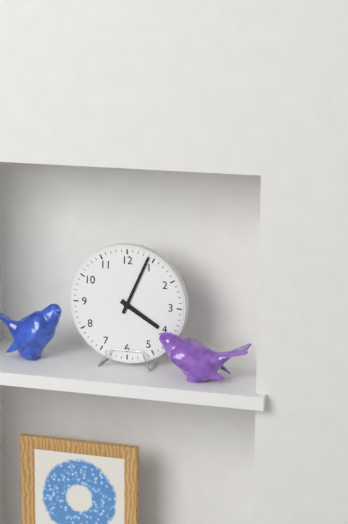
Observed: 4.04
